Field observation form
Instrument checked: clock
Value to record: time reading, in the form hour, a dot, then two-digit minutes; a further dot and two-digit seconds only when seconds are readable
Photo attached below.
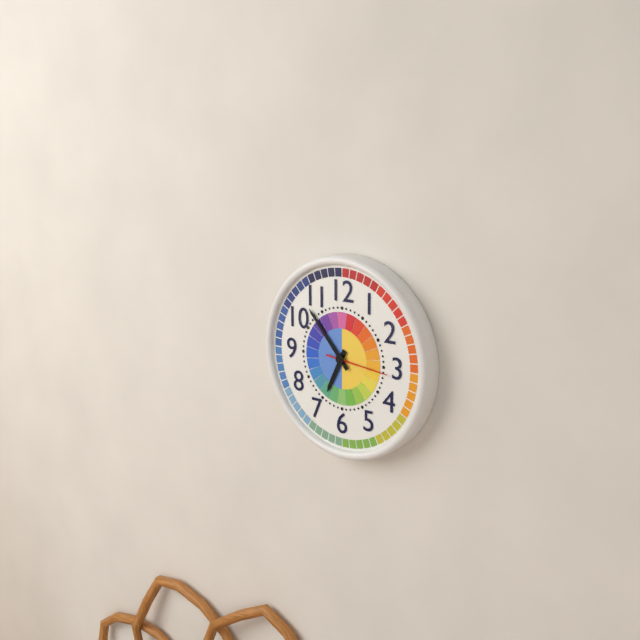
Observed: 6.53.16
